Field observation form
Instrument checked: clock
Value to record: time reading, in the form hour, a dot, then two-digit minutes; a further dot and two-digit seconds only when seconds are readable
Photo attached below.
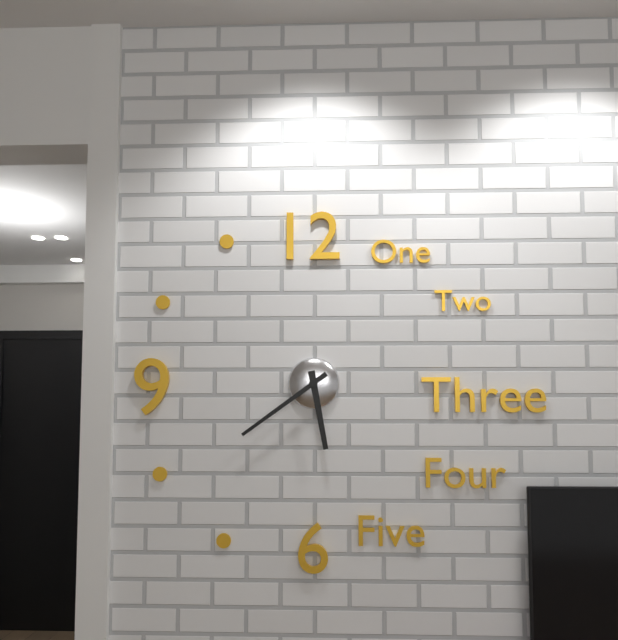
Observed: 5.39
